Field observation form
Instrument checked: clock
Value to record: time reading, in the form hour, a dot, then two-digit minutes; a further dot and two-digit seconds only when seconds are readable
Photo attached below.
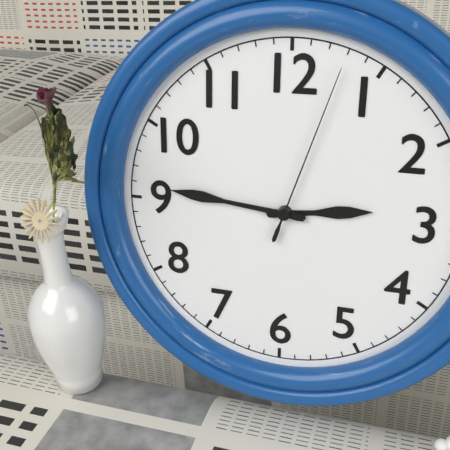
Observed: 2.46.03
